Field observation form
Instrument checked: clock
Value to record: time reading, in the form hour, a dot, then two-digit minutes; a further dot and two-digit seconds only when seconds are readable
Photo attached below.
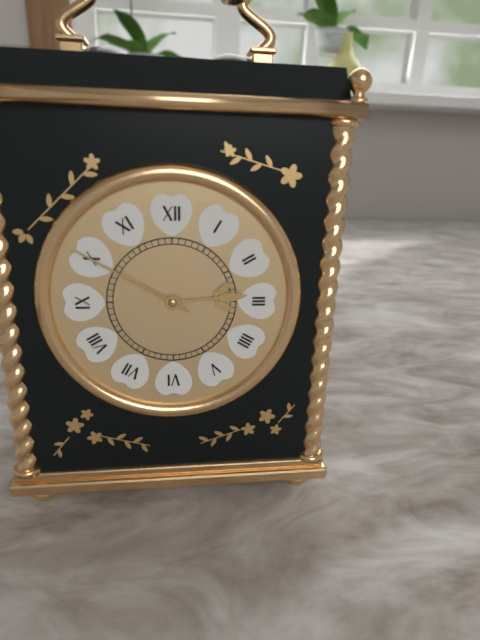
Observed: 2.50
